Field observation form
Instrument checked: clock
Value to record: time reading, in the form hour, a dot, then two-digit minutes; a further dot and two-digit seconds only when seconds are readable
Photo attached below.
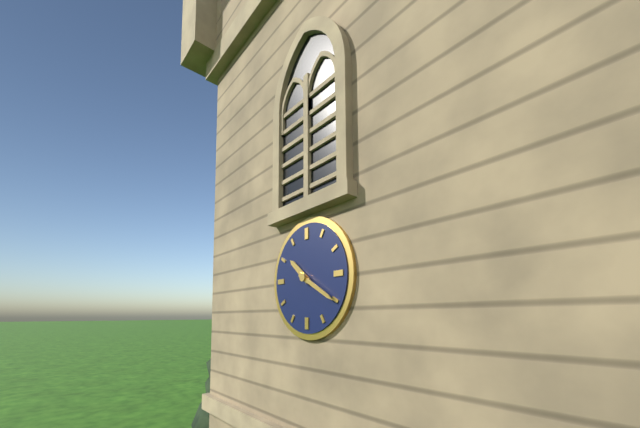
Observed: 10.20
